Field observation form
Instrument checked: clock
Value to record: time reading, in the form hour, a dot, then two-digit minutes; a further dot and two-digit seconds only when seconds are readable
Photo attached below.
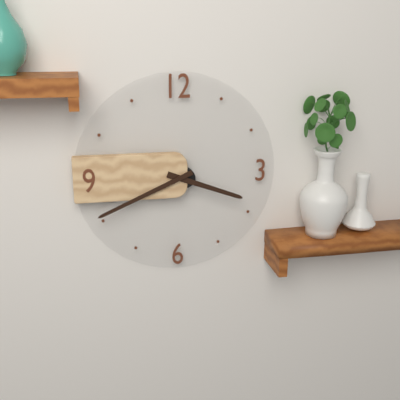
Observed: 3.41
